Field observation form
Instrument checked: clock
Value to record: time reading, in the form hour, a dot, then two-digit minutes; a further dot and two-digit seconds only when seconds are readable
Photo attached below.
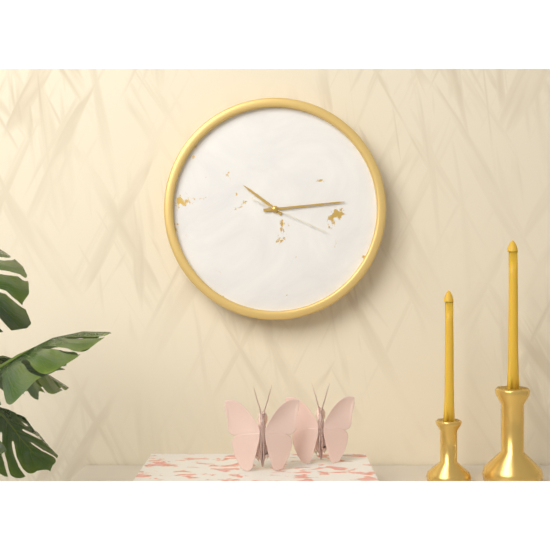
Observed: 10.14.19
